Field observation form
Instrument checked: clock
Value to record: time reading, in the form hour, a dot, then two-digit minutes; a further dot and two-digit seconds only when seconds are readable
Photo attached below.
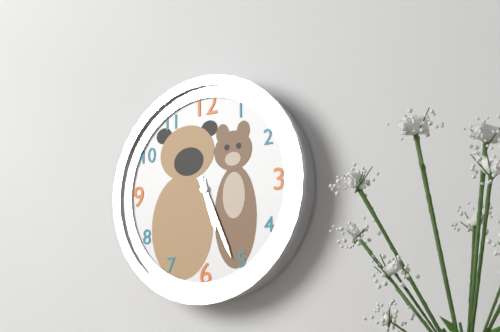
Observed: 5.26
